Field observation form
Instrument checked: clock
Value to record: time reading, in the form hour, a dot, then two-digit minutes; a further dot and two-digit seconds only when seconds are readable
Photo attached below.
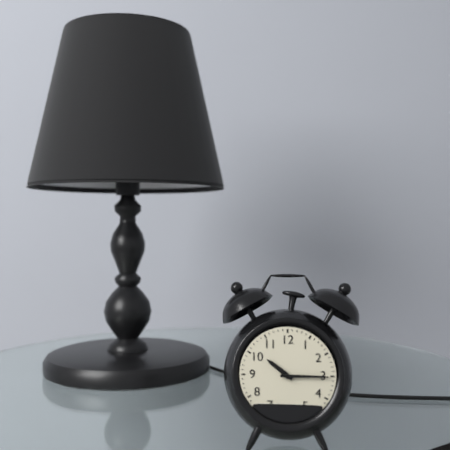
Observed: 10.15
